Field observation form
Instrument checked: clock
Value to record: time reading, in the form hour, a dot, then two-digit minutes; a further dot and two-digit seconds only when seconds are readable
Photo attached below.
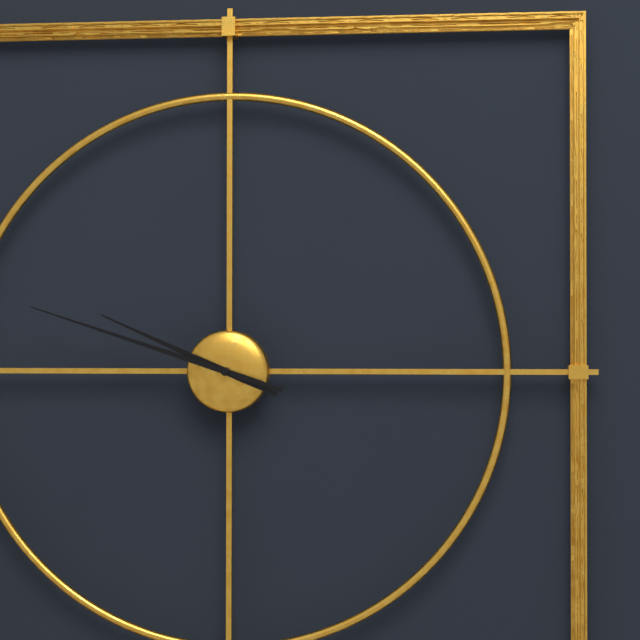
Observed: 9.48
